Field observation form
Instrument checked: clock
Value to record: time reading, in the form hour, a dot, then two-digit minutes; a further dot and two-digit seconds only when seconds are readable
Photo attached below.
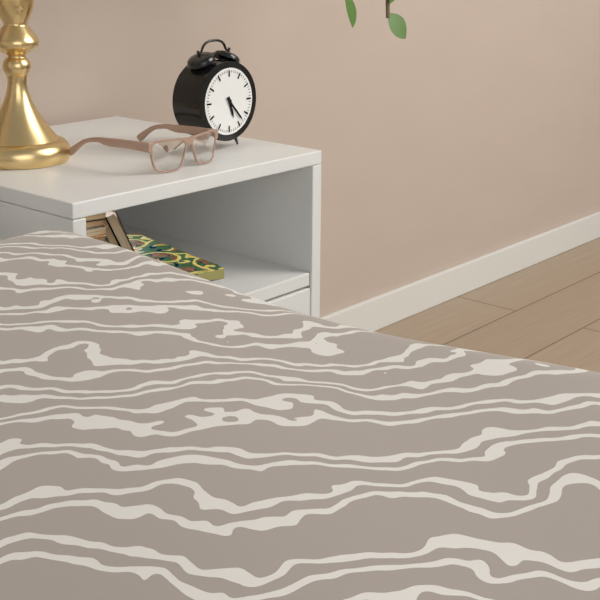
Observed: 5.23
